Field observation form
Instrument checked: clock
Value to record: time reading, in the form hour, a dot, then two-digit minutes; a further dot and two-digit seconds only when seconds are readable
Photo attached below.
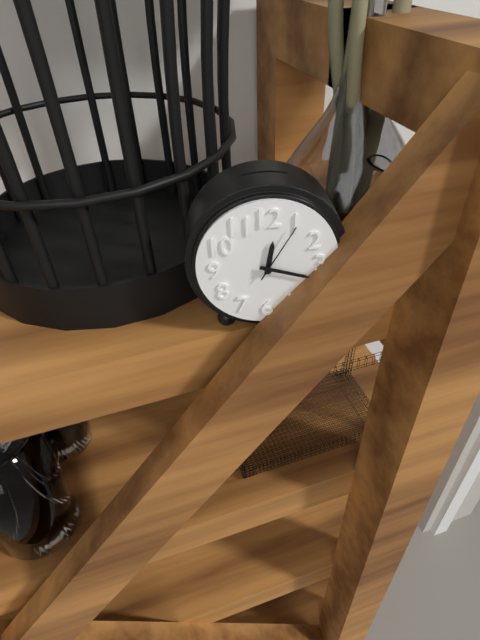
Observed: 12.18.05
